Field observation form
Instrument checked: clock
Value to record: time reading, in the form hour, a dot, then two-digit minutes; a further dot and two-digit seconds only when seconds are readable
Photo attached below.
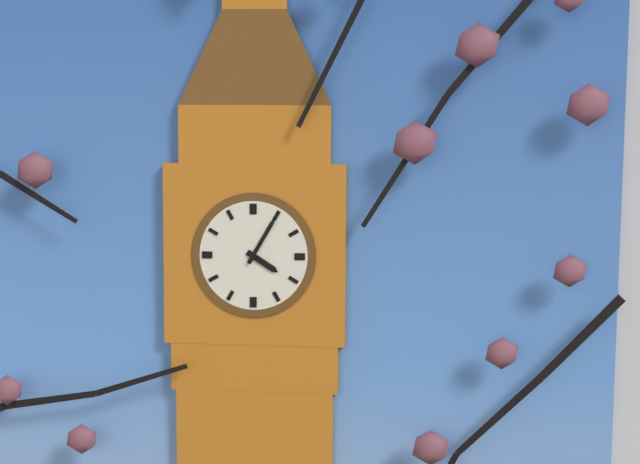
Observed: 4.05
